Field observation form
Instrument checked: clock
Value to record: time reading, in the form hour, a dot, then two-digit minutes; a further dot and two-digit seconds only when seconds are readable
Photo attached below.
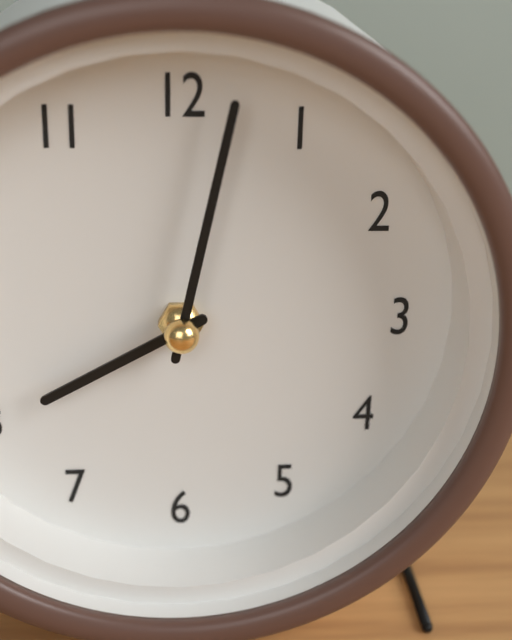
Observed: 8.02
